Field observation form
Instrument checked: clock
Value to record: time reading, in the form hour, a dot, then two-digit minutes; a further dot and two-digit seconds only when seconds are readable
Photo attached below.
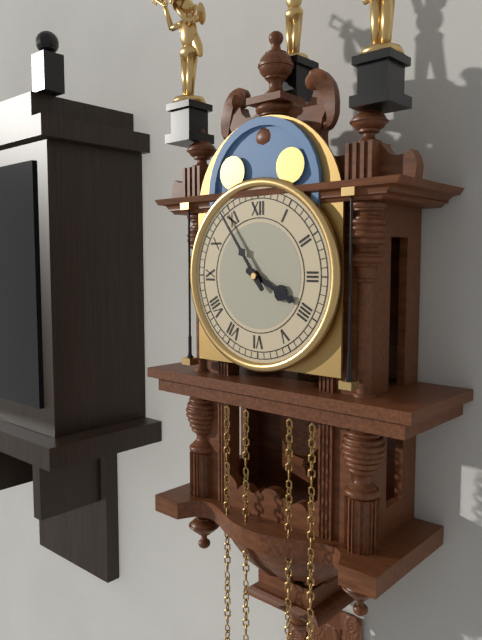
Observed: 3.54
